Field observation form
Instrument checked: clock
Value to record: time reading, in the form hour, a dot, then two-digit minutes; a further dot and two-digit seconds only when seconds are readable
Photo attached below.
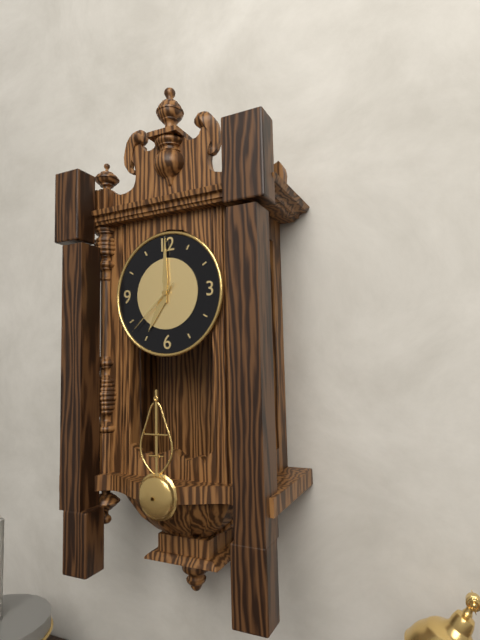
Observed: 7.00.38
